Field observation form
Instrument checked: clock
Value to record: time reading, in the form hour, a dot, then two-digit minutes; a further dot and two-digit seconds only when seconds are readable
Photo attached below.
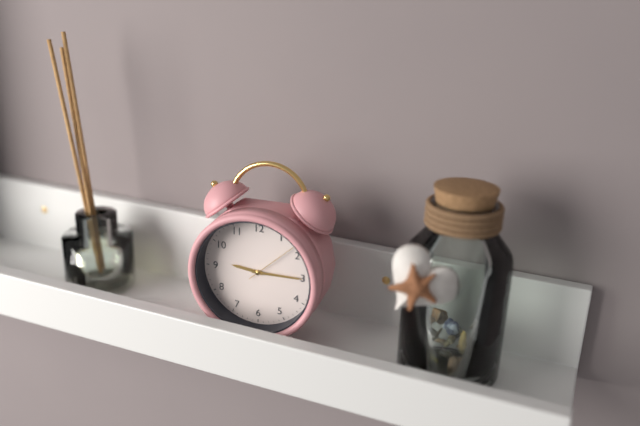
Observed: 9.15.08
